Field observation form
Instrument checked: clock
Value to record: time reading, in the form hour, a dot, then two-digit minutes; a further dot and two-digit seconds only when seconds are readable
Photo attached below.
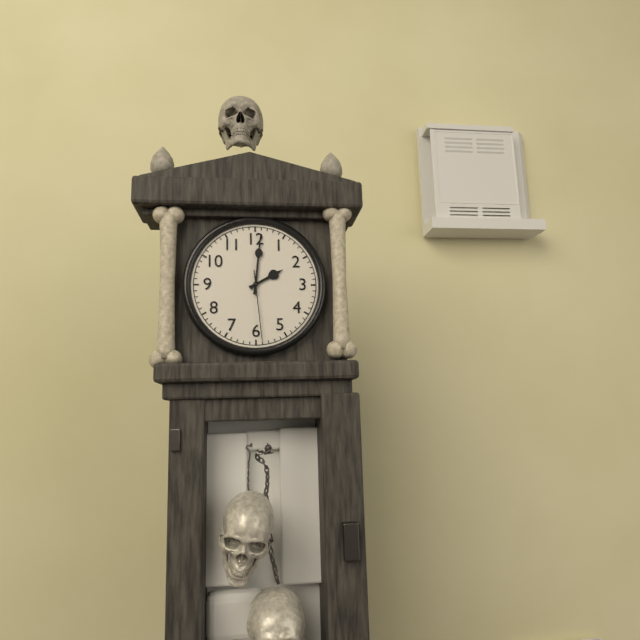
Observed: 2.01.29
